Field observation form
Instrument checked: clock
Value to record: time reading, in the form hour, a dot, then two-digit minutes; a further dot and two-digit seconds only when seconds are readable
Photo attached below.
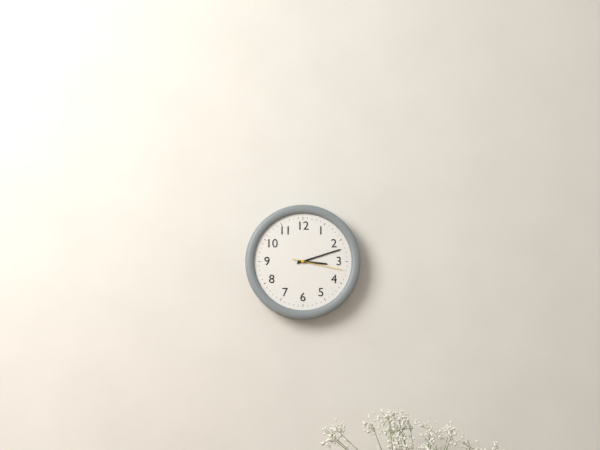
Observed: 3.12.17
